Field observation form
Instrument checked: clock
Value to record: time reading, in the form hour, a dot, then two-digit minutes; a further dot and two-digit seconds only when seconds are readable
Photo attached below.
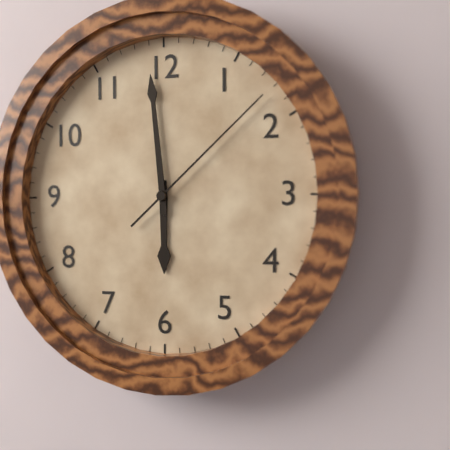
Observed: 5.59.08
